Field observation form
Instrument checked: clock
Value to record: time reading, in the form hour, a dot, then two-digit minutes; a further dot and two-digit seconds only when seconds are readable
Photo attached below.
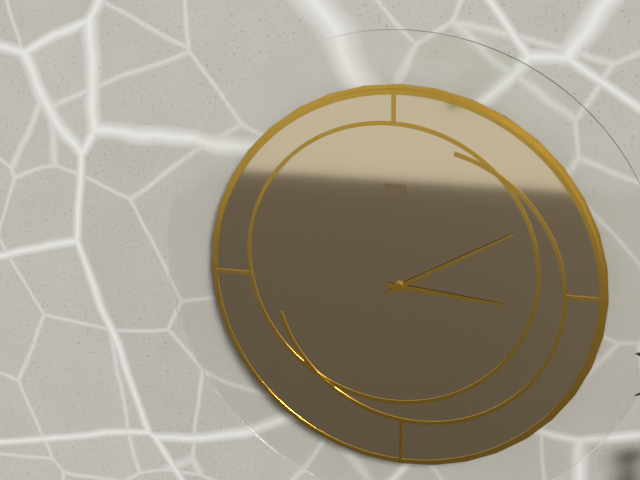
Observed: 3.10
